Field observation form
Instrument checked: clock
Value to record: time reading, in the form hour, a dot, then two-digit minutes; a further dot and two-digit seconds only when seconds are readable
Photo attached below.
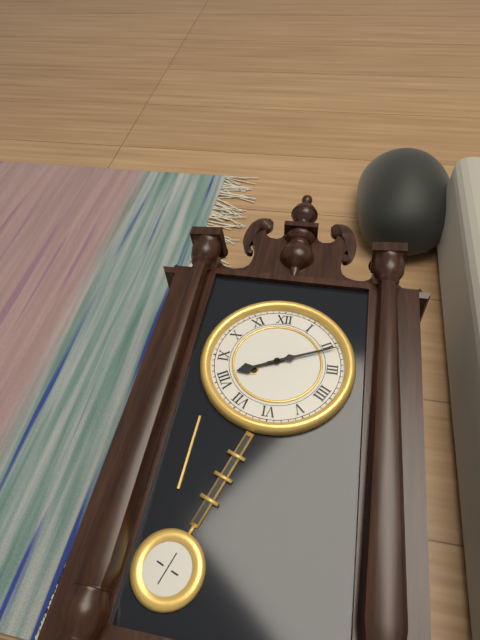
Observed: 8.11
